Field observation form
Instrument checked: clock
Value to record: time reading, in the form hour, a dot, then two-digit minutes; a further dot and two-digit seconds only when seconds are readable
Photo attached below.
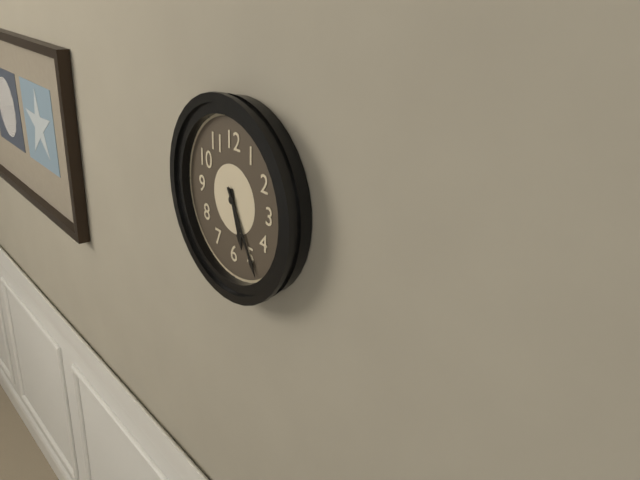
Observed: 5.25
